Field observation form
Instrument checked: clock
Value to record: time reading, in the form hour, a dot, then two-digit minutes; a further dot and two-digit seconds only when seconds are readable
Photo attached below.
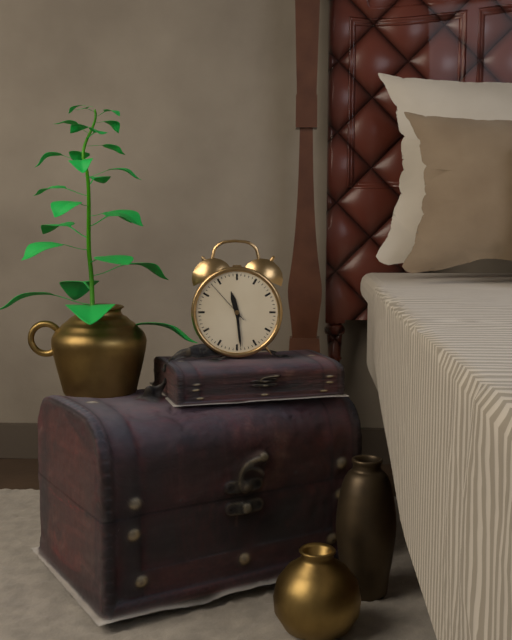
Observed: 11.29
